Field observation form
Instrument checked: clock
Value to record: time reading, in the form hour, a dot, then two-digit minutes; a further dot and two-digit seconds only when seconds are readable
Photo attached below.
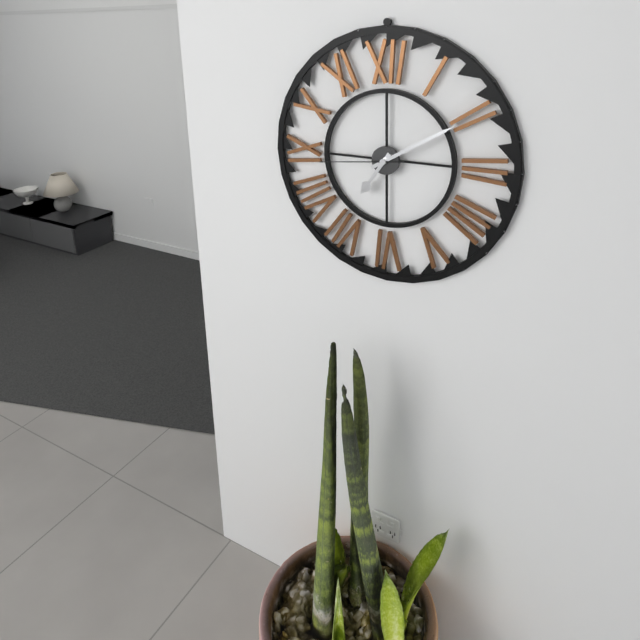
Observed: 7.10.44
